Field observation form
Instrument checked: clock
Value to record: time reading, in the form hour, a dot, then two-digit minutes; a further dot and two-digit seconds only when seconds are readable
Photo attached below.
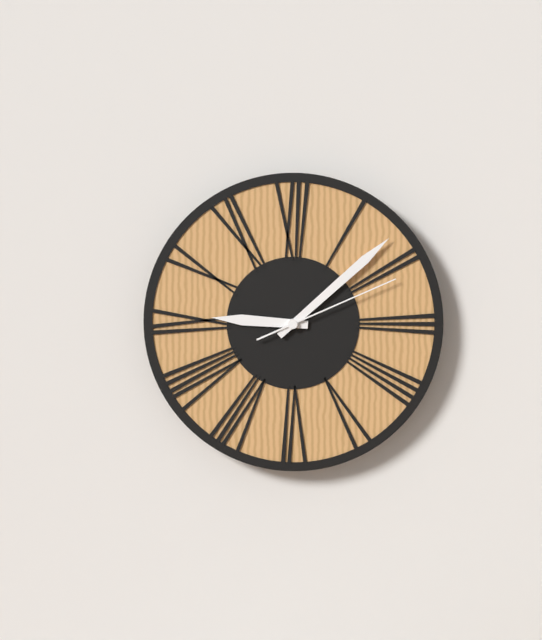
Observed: 9.08.11
